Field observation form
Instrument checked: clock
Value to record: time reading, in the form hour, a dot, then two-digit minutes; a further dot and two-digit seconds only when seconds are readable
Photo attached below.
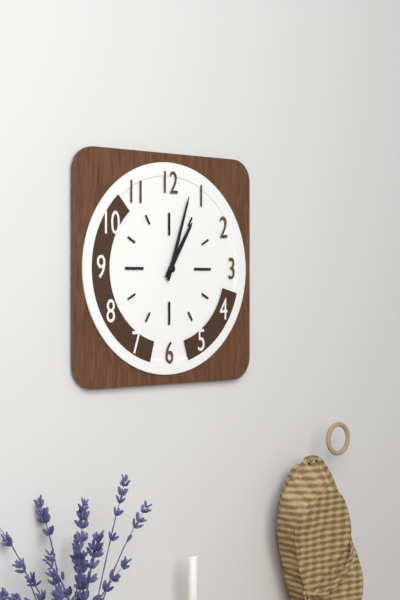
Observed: 1.03
